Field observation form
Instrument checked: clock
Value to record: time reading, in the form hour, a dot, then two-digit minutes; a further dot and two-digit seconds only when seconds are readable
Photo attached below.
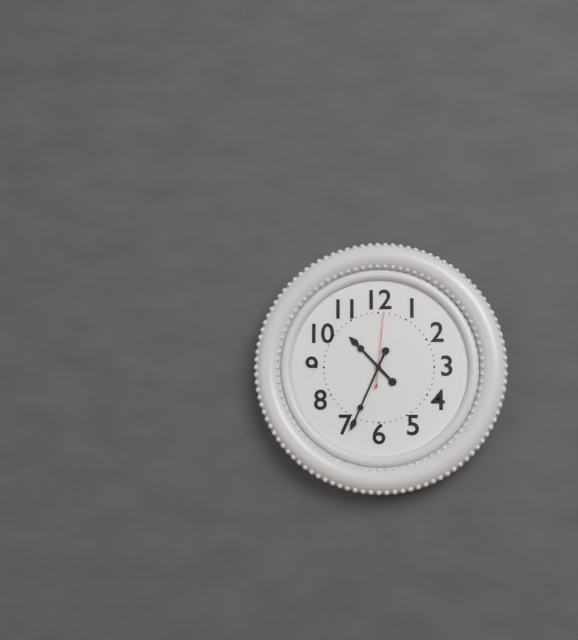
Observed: 10.34.01
